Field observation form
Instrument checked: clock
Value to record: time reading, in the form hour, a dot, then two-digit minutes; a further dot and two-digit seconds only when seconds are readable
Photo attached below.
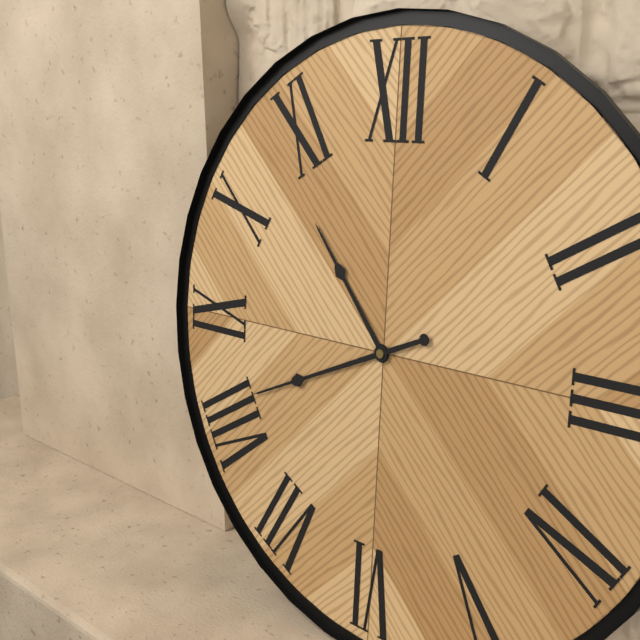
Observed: 10.41
